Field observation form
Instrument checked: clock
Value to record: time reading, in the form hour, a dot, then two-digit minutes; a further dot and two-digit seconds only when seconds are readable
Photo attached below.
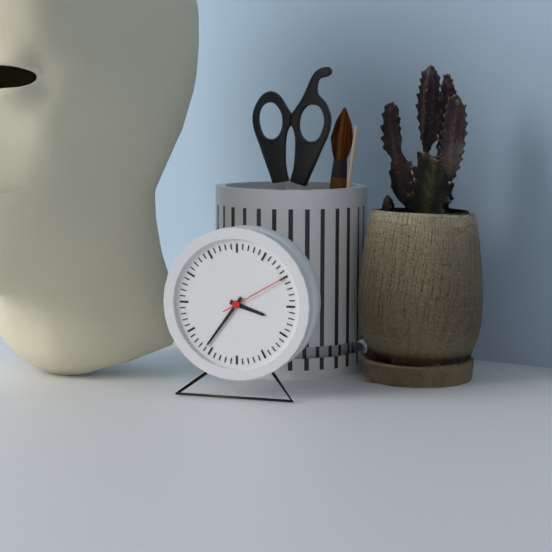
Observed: 3.36.10
